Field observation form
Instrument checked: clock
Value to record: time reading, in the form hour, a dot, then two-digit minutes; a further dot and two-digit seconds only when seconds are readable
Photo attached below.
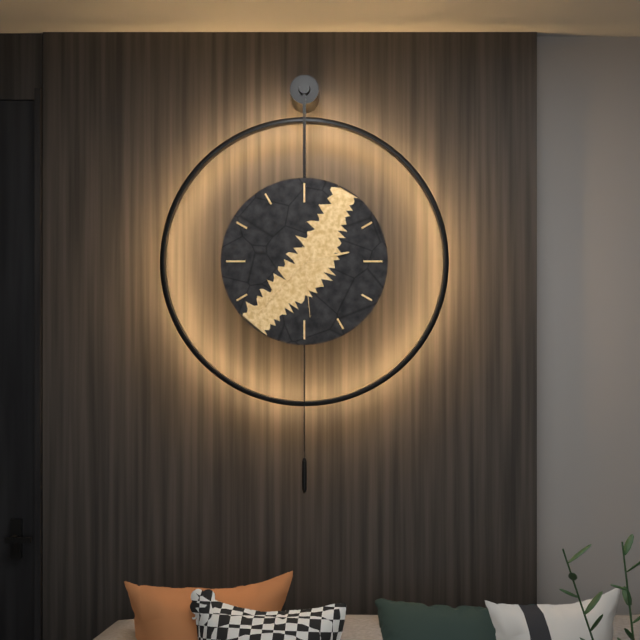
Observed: 2.37.29
